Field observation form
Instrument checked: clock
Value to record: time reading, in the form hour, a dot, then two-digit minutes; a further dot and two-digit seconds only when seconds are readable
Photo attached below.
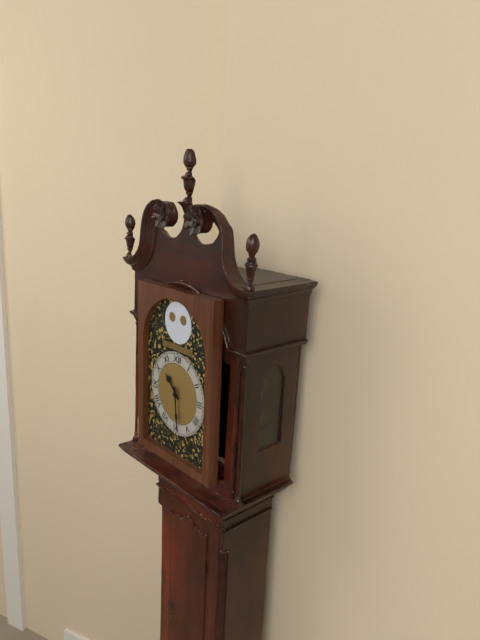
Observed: 10.29
